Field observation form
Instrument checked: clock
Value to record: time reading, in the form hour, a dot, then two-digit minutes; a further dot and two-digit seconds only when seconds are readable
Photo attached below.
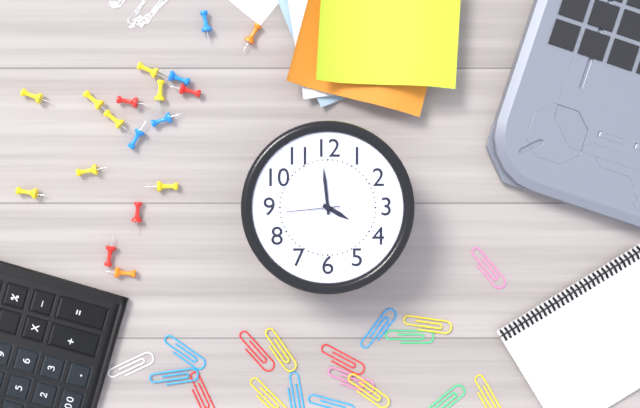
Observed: 3.59.44
